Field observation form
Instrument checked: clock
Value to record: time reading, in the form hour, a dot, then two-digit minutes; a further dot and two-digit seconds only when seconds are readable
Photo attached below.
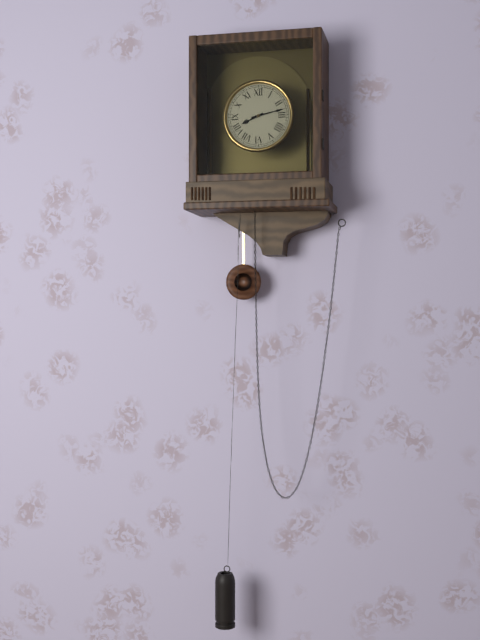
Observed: 8.13
